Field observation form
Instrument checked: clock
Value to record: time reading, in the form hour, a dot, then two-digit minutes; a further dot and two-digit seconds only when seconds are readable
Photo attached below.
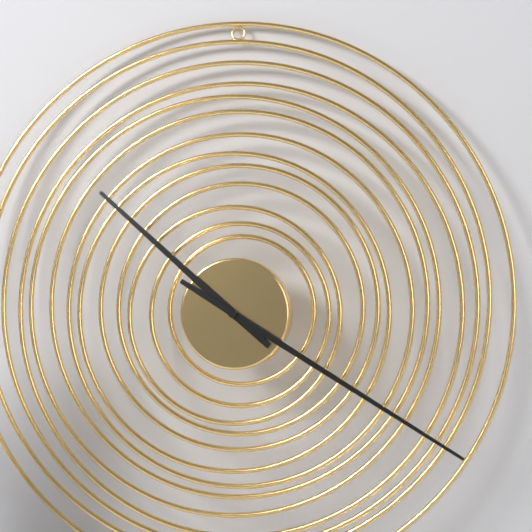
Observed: 10.20
